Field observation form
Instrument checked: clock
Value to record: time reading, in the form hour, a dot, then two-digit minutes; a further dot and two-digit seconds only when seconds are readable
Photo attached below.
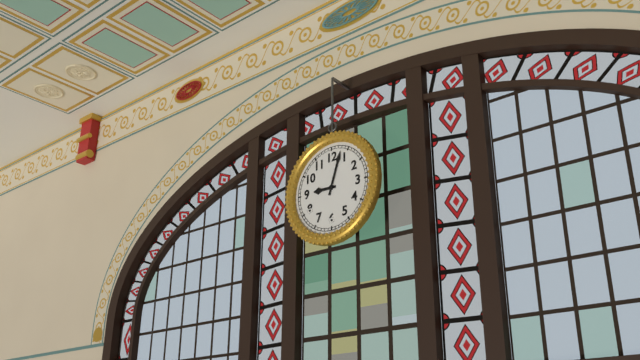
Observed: 9.03
